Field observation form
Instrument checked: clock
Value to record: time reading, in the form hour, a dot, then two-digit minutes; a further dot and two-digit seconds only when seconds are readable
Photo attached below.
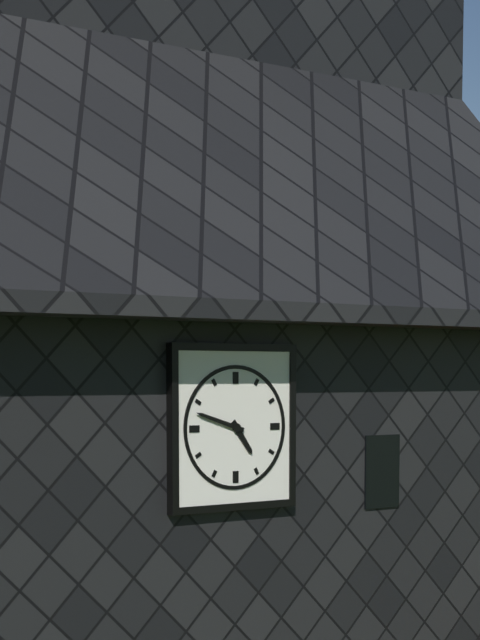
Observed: 4.48
